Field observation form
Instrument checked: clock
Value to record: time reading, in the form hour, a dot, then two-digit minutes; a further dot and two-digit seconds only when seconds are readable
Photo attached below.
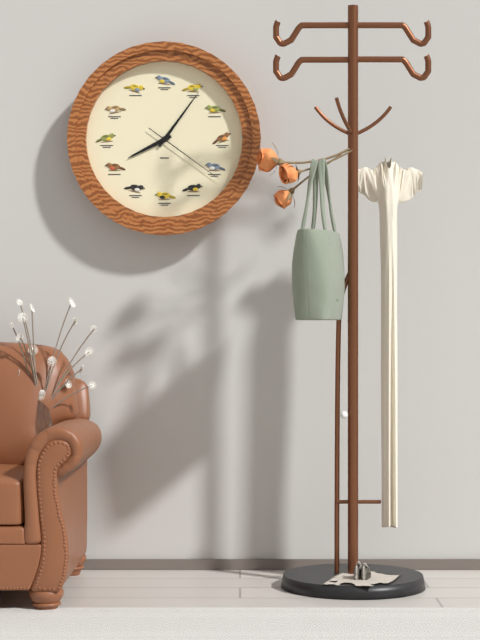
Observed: 8.06.21
